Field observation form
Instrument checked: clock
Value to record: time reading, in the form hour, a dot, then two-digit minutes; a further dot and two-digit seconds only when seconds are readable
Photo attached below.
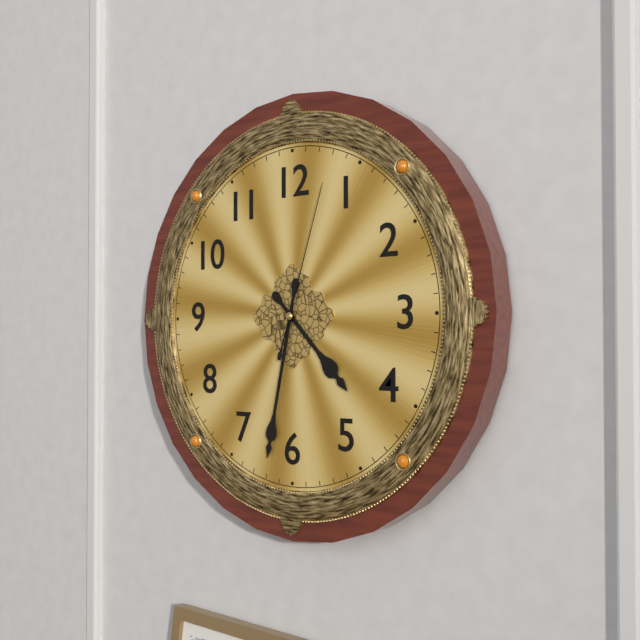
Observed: 4.32.03
